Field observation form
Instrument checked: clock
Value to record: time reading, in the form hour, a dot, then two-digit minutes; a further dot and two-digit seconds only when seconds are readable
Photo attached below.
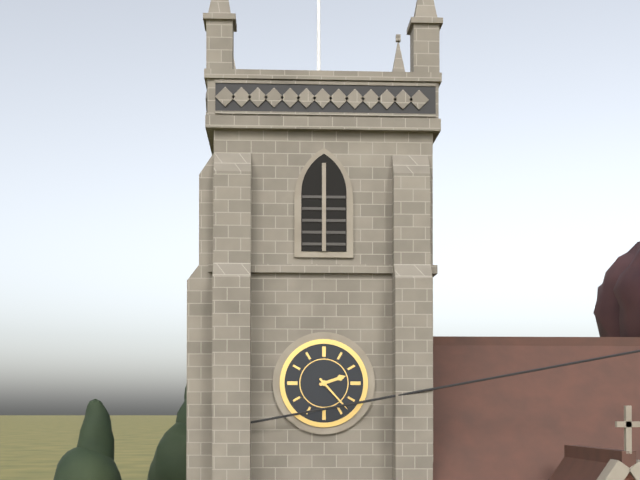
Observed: 2.23
